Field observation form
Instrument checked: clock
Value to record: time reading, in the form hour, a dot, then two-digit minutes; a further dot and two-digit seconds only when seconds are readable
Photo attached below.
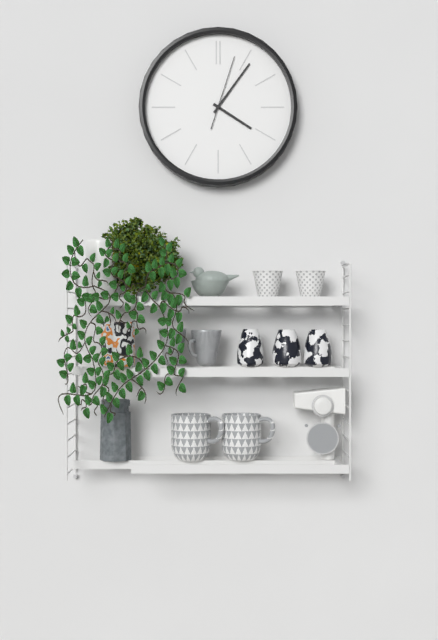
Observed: 4.06.03
